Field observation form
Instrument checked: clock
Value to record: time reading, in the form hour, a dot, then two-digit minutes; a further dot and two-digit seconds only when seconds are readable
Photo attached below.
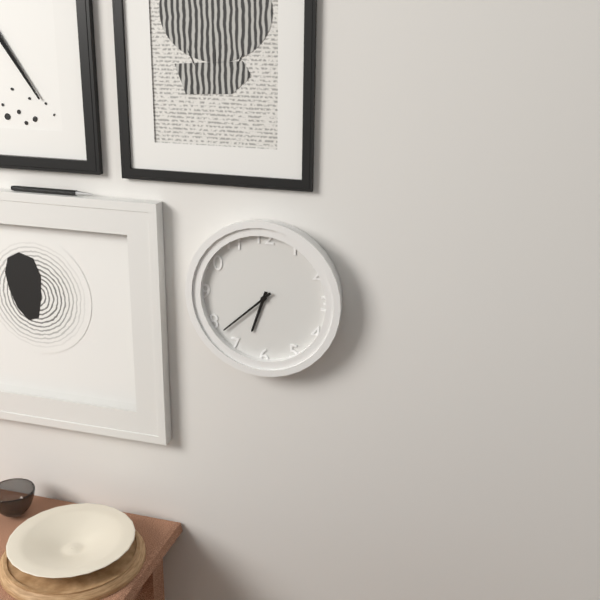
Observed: 6.38
